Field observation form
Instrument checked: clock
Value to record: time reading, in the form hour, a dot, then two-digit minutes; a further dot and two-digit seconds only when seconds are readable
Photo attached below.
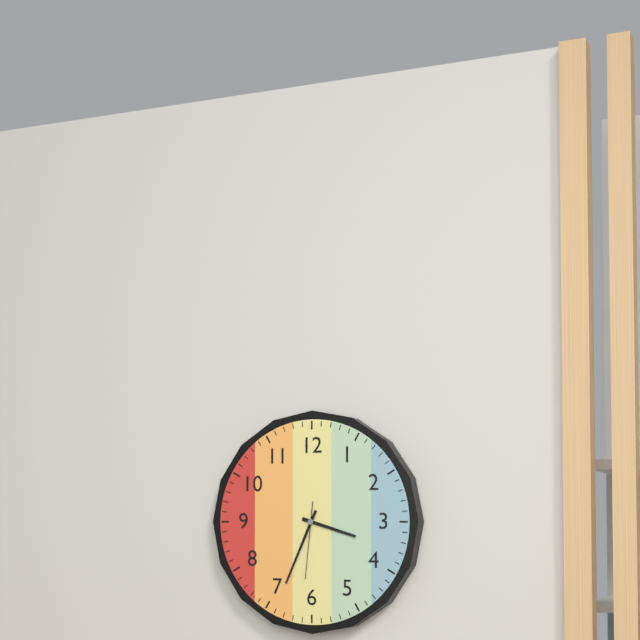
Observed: 3.34.31
